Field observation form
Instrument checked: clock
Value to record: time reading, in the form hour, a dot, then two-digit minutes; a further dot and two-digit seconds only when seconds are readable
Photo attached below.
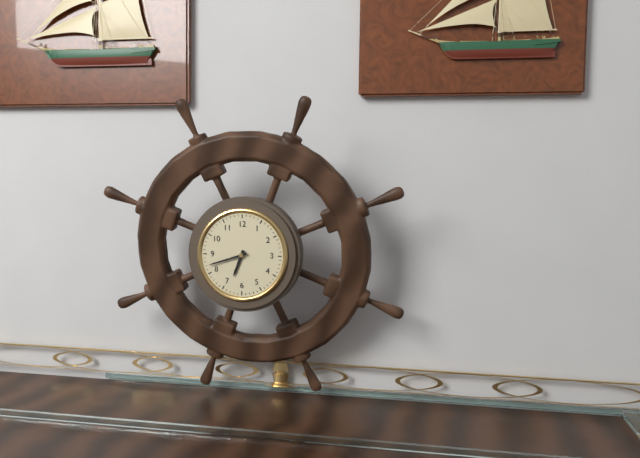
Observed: 6.42
